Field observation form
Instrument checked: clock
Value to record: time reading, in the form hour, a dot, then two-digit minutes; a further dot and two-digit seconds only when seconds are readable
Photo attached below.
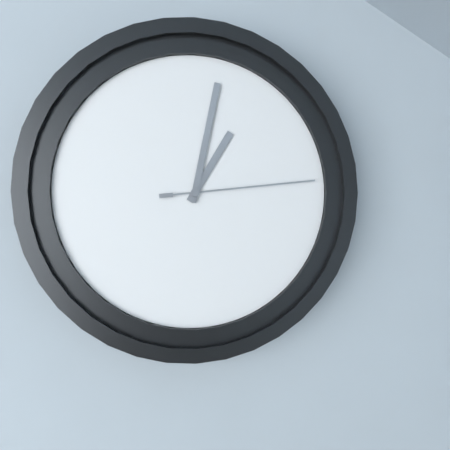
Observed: 1.02.14
